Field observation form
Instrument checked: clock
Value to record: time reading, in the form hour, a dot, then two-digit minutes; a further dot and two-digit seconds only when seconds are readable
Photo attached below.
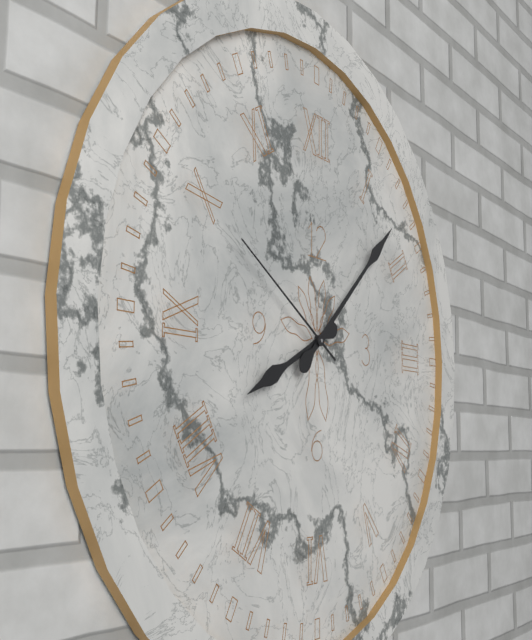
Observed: 8.08.50
